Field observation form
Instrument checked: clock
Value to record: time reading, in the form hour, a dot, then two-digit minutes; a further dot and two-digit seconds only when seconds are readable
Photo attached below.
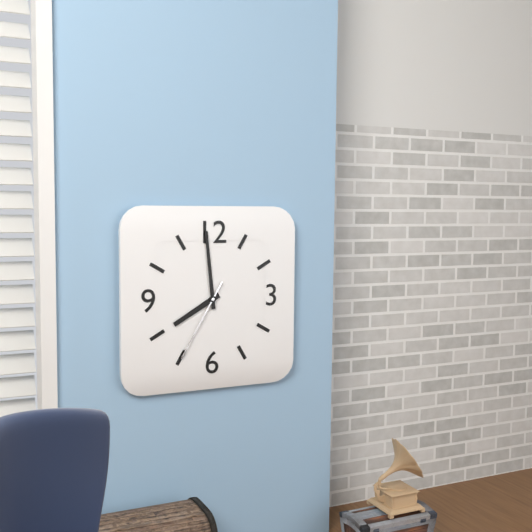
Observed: 7.59.35
